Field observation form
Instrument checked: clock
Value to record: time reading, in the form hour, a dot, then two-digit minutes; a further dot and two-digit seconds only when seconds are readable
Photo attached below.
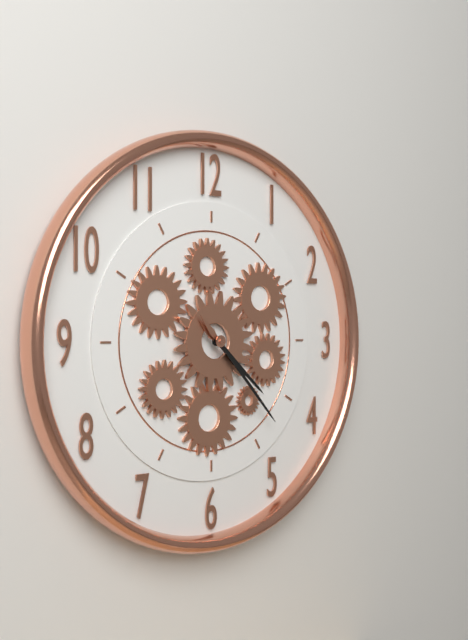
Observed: 4.23
